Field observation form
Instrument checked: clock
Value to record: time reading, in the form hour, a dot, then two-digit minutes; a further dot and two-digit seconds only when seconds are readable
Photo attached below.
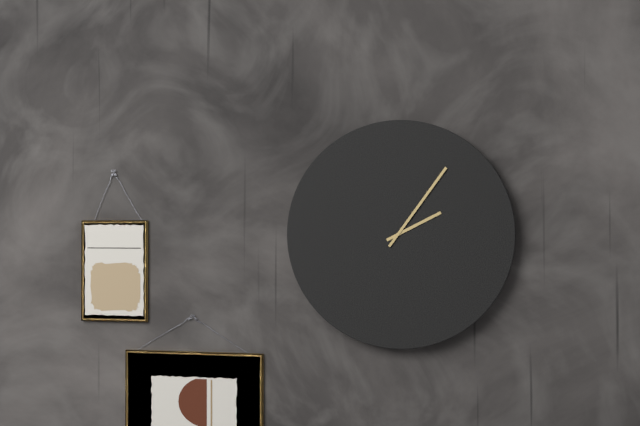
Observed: 2.06
